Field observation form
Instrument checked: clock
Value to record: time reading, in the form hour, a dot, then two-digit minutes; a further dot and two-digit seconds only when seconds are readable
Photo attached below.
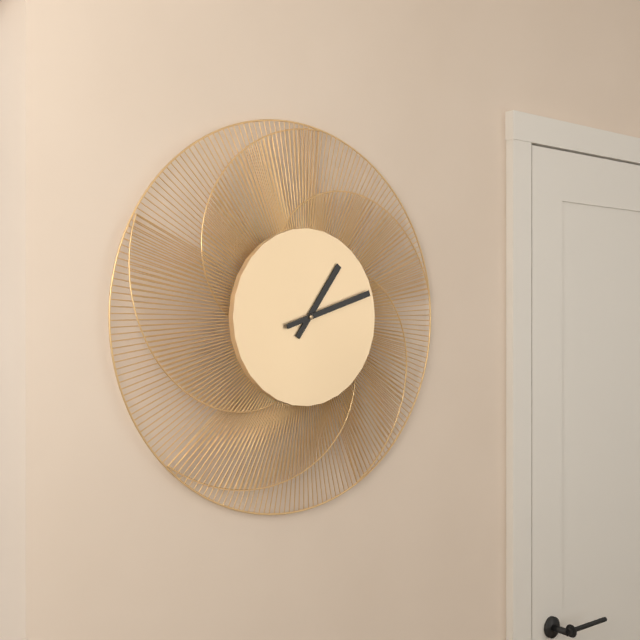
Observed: 1.12
